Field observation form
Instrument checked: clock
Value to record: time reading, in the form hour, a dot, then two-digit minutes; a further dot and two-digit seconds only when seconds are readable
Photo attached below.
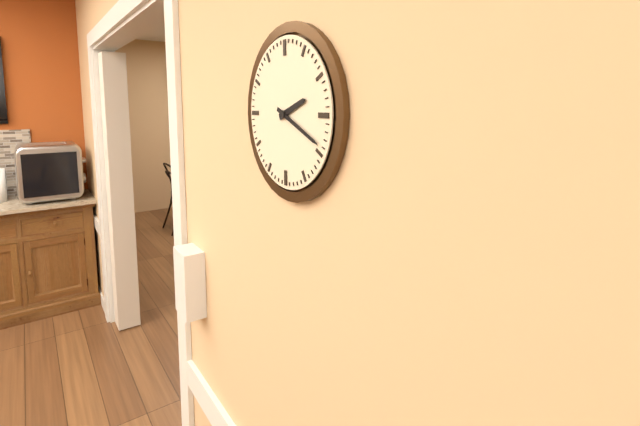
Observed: 2.19
